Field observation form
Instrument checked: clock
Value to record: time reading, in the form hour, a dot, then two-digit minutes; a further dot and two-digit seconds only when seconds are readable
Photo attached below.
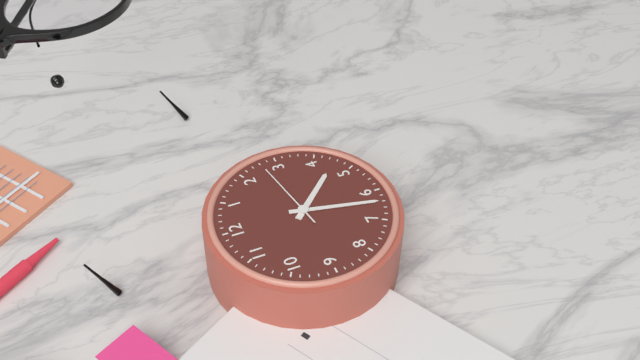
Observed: 4.32.13
